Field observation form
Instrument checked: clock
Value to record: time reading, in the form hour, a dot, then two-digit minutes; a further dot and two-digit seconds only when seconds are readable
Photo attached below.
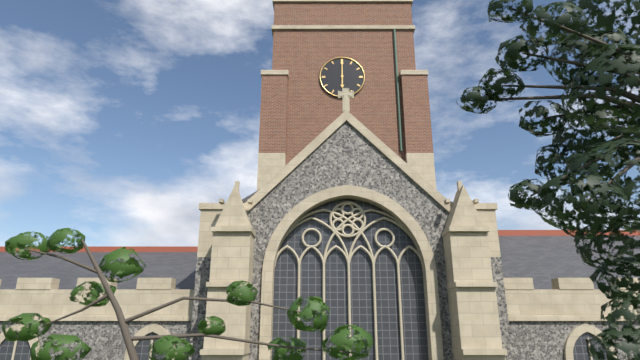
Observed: 6.00
